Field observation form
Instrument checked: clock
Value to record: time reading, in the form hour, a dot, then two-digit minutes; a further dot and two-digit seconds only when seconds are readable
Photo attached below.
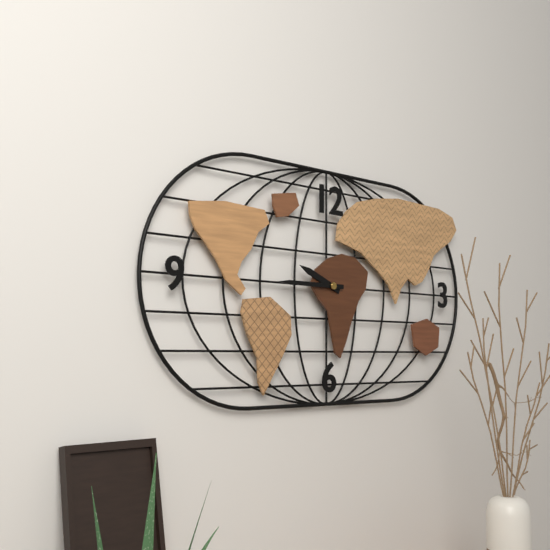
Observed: 9.45
